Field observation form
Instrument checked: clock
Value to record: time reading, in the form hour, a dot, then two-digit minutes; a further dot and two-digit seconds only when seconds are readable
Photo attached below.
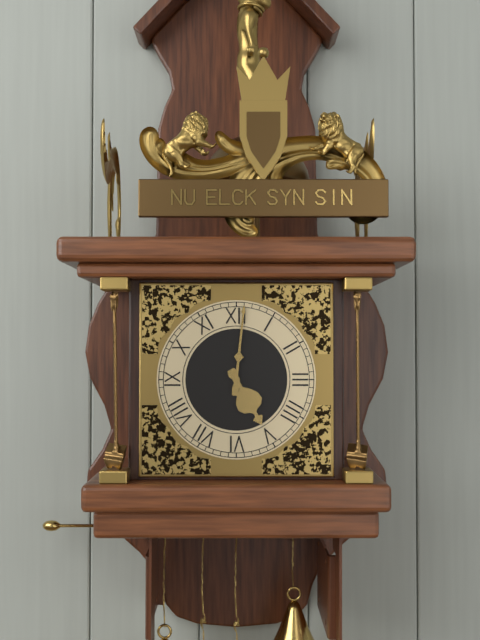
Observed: 5.01
